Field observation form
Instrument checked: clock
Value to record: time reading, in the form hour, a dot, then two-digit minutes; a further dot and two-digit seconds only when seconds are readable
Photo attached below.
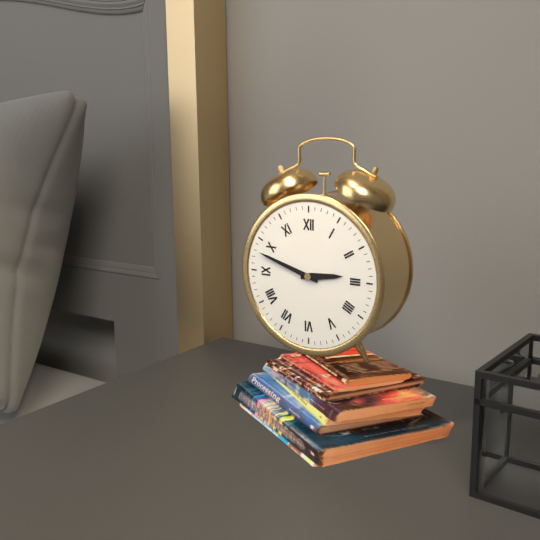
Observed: 2.48
